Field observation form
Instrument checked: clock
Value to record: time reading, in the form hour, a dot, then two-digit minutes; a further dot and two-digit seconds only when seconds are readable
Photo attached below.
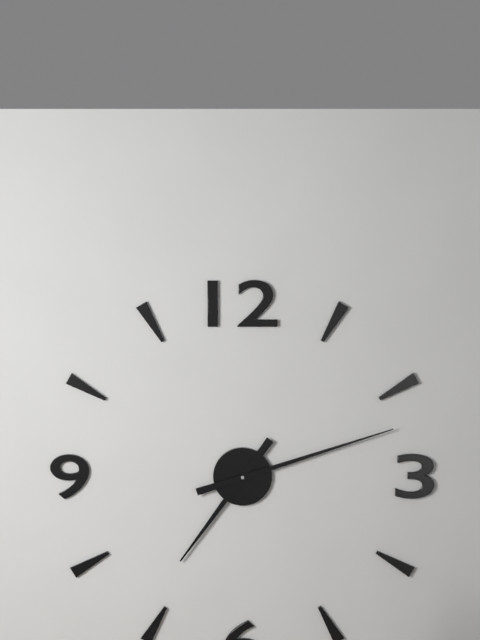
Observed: 7.12
